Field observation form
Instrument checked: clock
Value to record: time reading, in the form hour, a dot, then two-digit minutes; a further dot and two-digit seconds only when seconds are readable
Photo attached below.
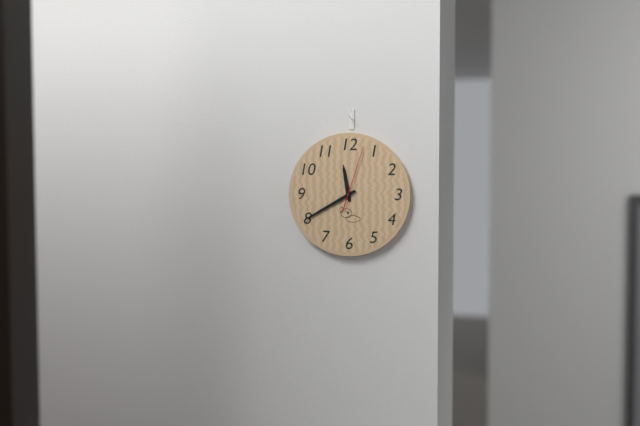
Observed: 11.40.03
